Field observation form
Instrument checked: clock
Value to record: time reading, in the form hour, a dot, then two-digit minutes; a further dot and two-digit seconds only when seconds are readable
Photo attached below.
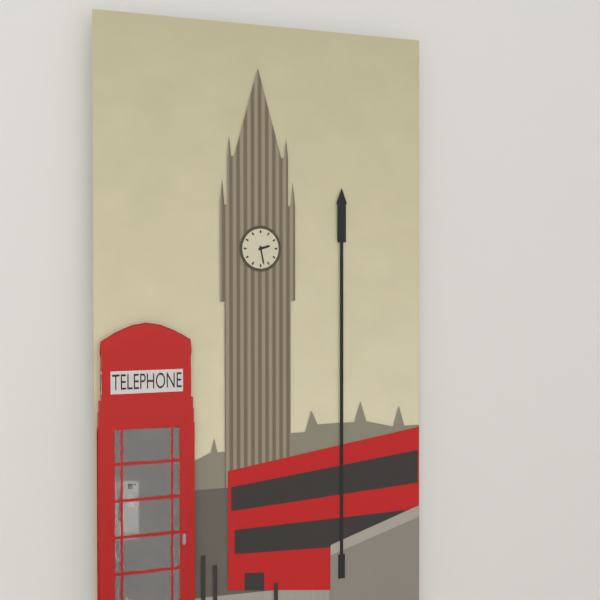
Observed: 2.28
